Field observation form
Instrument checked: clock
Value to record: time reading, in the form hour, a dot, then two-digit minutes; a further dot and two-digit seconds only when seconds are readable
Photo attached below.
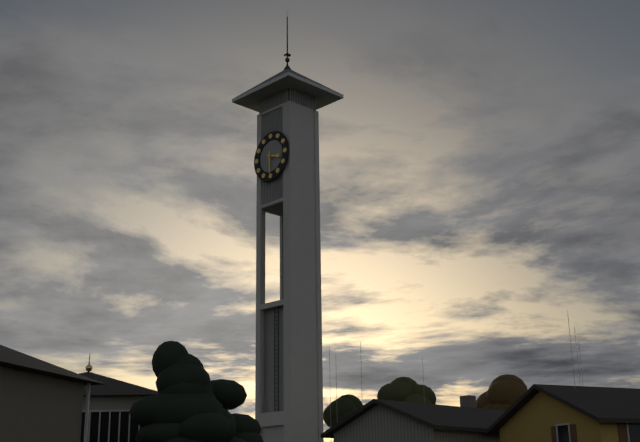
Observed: 3.30
